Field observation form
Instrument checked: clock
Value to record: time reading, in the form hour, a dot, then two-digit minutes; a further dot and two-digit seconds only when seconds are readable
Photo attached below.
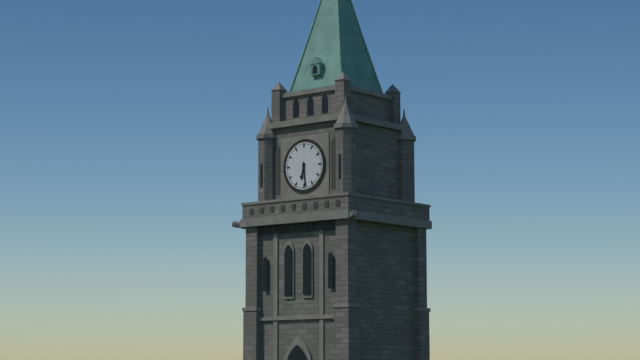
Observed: 6.29
